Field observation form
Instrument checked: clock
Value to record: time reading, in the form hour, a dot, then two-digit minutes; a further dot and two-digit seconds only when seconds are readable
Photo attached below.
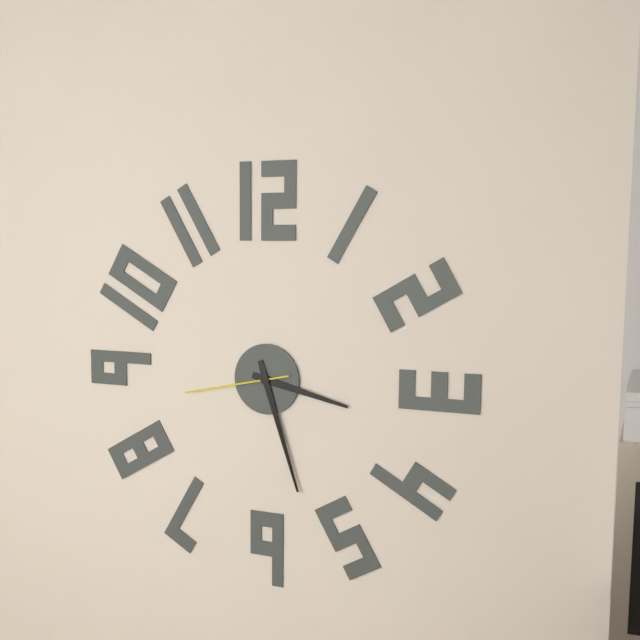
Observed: 3.27.43
